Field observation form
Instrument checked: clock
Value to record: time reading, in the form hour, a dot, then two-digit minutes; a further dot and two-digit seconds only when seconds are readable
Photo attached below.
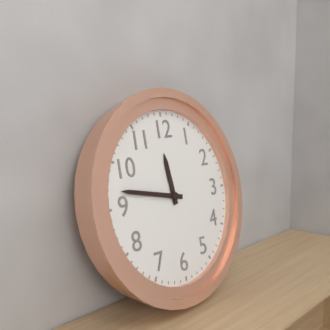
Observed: 11.47
